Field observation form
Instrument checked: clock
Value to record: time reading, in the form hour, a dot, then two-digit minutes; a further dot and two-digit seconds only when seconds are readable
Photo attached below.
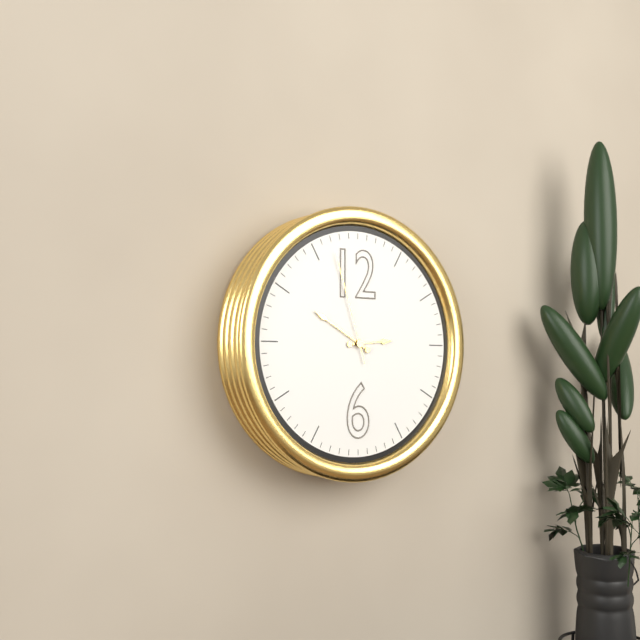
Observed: 2.50.57
